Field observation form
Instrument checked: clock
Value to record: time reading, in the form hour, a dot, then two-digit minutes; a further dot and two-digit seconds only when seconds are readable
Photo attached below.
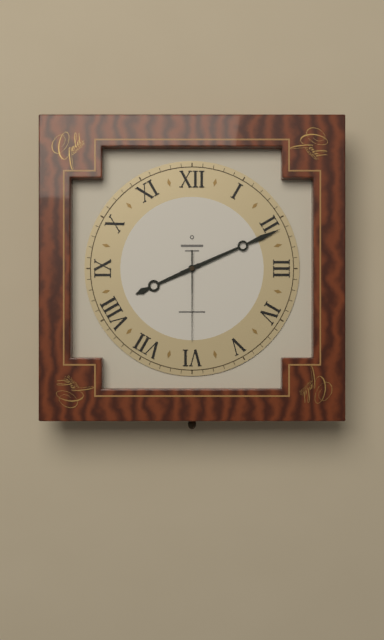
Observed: 8.11.30
